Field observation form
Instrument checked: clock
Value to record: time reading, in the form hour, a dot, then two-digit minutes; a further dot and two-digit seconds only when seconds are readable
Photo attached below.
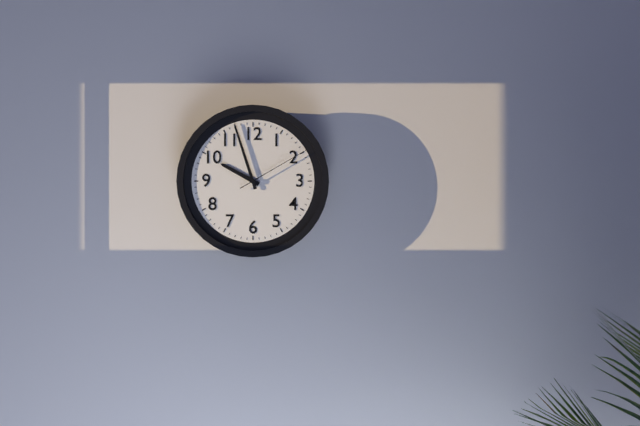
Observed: 9.57.10
